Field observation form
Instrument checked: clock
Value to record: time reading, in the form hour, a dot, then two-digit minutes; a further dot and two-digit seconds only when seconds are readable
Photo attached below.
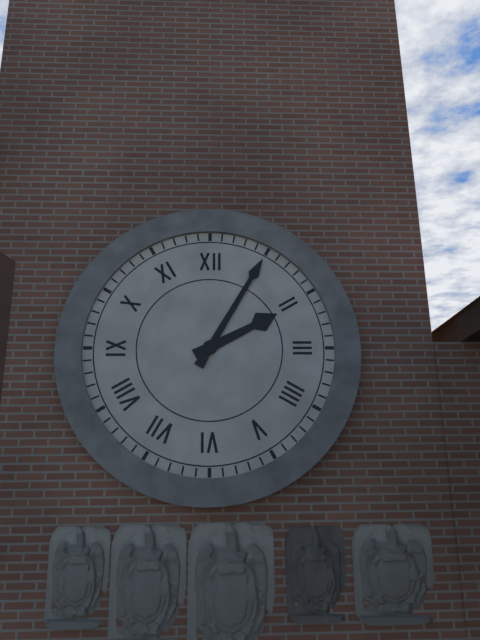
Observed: 2.05
